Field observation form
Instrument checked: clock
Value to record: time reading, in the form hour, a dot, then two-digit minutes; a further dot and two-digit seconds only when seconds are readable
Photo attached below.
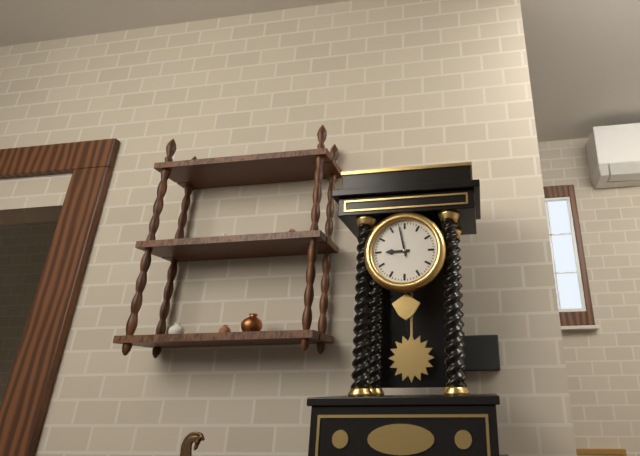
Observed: 8.58
